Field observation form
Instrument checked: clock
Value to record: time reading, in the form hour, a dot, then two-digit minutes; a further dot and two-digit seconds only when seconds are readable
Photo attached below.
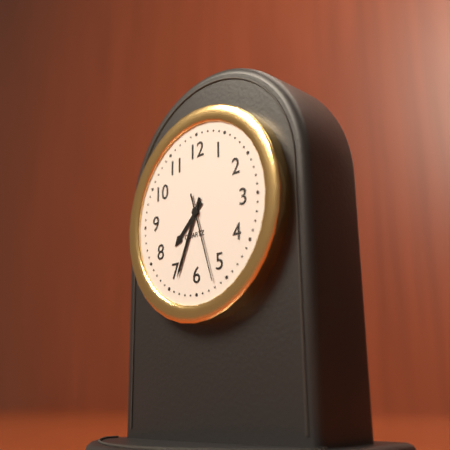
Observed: 7.34.27
